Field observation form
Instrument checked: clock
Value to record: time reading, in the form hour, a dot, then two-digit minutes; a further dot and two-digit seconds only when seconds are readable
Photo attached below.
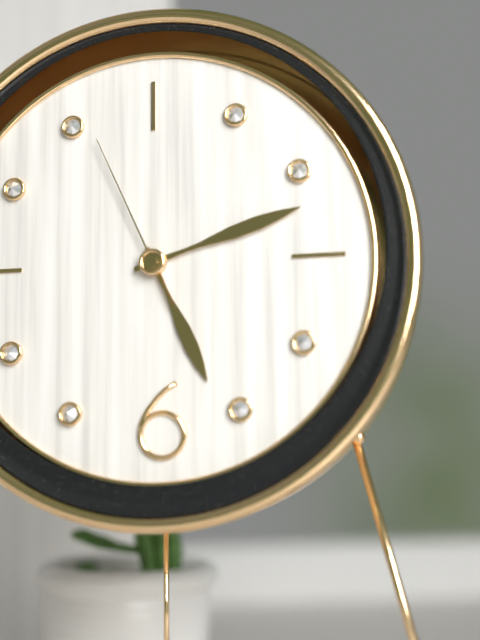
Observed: 5.12.56
